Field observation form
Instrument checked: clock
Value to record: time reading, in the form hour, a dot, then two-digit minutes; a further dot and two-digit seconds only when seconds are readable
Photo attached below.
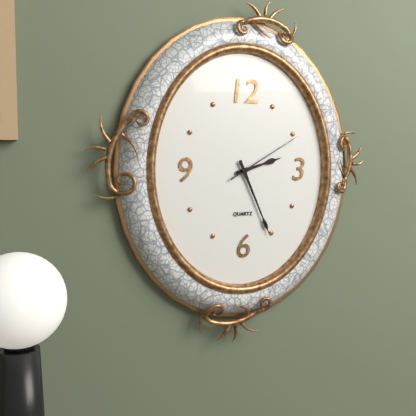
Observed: 2.26.10
